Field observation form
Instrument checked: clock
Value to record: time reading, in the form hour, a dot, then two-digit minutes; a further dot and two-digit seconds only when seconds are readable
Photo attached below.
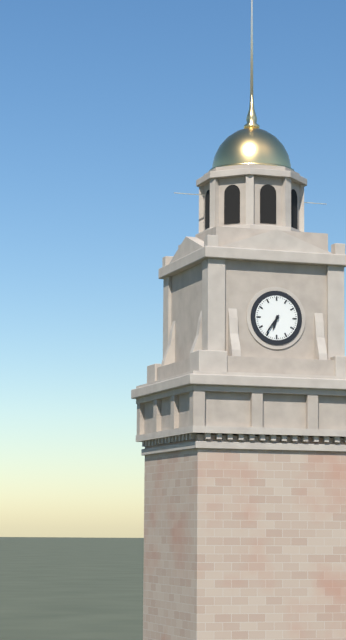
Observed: 6.36
